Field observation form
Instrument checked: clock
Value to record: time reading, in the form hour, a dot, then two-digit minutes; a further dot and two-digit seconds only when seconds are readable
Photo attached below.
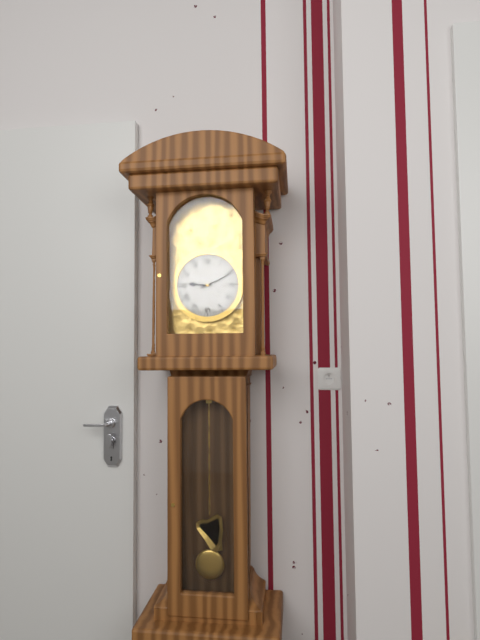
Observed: 9.11
